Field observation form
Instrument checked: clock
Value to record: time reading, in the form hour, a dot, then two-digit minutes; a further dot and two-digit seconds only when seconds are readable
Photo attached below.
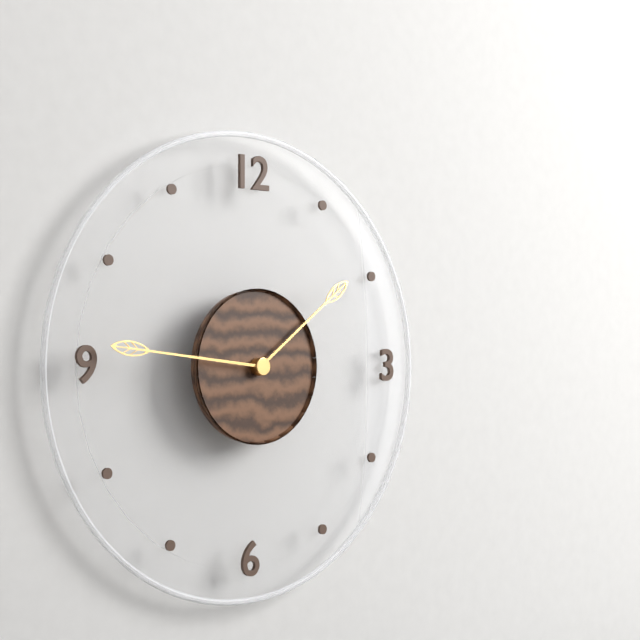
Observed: 1.46
